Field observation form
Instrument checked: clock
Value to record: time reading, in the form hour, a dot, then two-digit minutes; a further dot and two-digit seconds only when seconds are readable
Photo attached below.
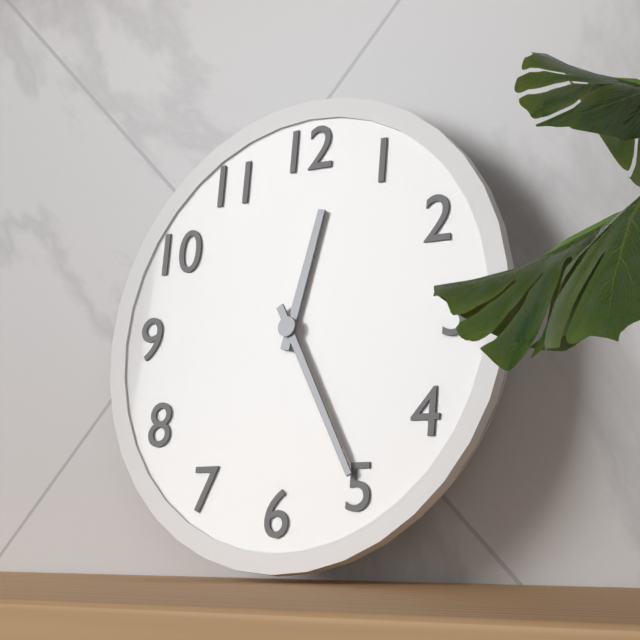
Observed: 12.25
